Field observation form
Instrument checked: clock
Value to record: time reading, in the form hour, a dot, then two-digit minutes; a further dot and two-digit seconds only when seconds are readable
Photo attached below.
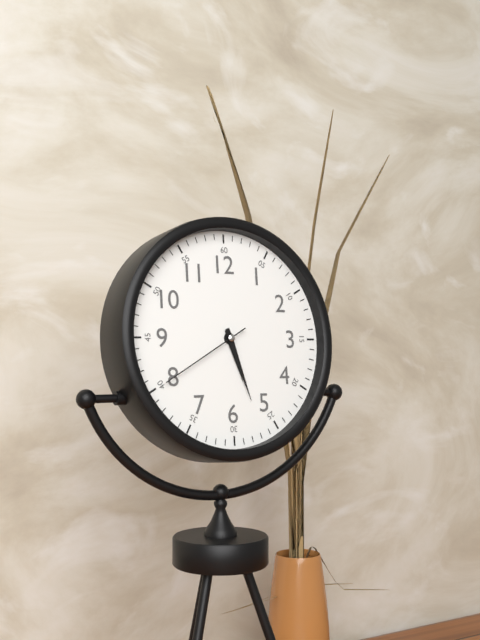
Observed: 5.27.40
